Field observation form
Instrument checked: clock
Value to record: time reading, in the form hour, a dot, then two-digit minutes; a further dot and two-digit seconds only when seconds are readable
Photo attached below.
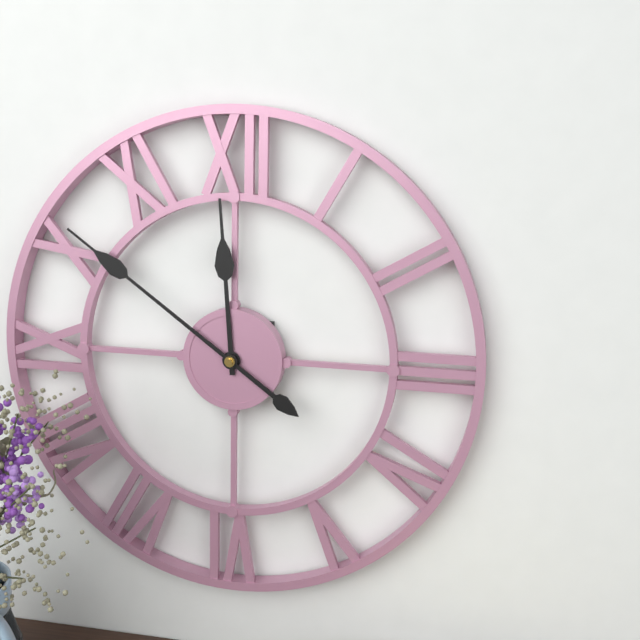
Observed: 11.51
